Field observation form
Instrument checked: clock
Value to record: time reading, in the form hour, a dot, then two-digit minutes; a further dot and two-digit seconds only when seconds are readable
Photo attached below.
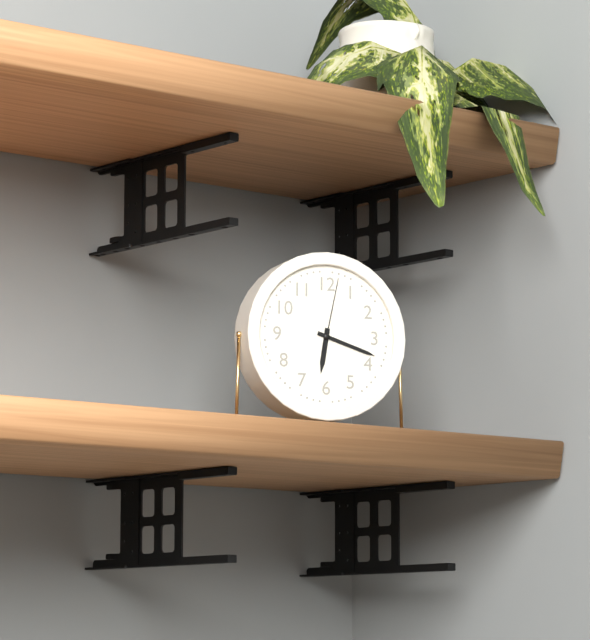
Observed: 6.18.02
